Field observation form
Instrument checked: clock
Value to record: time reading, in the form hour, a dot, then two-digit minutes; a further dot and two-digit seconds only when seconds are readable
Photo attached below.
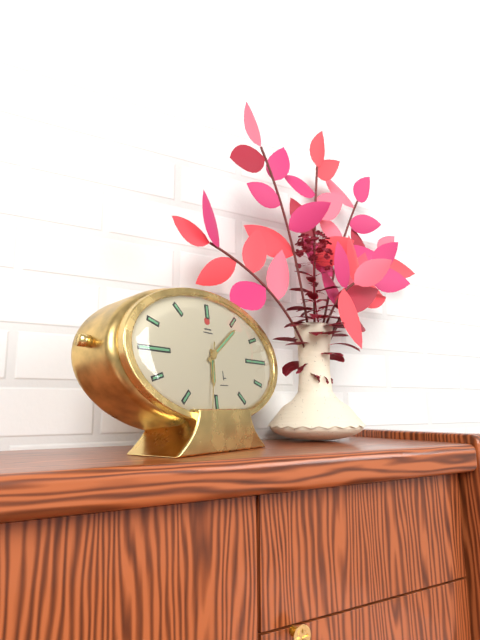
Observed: 6.09.32
